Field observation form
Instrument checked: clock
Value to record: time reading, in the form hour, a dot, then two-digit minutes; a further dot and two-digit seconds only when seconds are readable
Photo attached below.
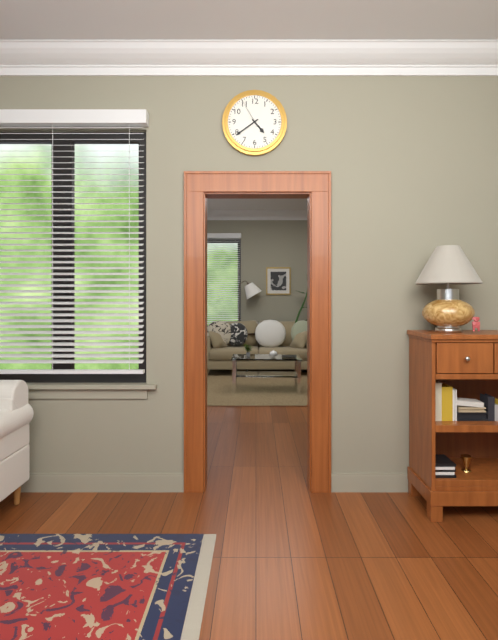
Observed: 4.39
